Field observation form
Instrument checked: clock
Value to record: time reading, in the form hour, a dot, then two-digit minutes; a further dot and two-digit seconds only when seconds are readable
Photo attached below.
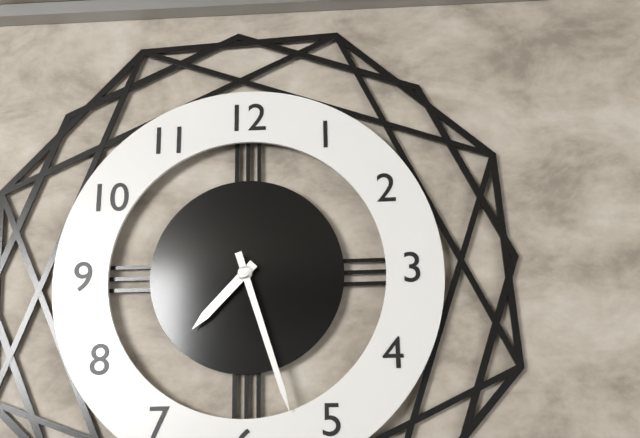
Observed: 7.27
